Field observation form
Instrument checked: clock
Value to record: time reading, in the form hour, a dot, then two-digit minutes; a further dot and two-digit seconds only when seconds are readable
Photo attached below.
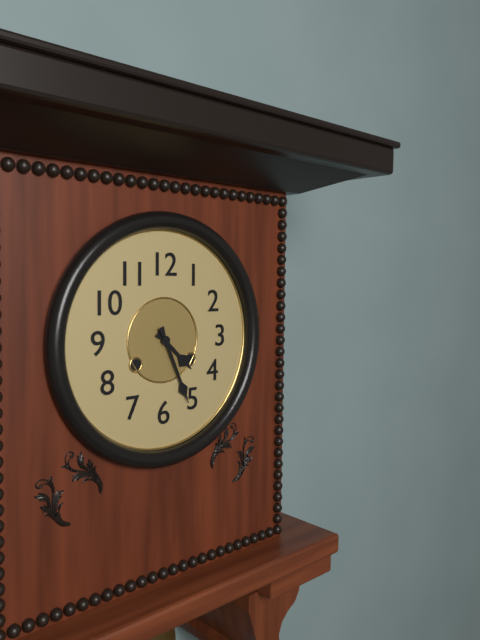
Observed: 4.26
